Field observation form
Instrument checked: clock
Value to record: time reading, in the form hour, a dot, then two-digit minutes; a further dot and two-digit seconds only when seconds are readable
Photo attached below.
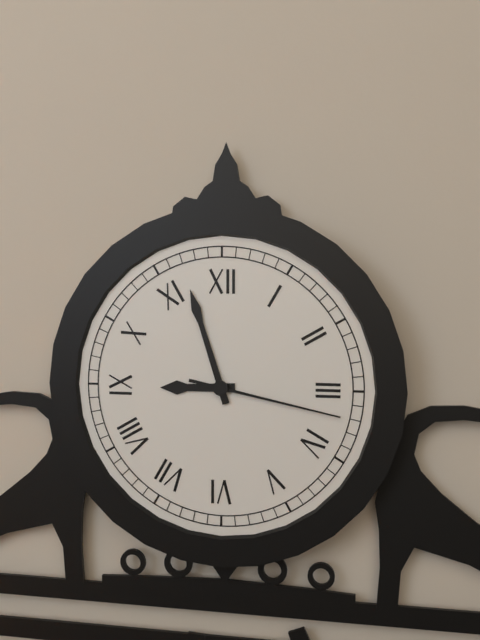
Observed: 8.57.17
